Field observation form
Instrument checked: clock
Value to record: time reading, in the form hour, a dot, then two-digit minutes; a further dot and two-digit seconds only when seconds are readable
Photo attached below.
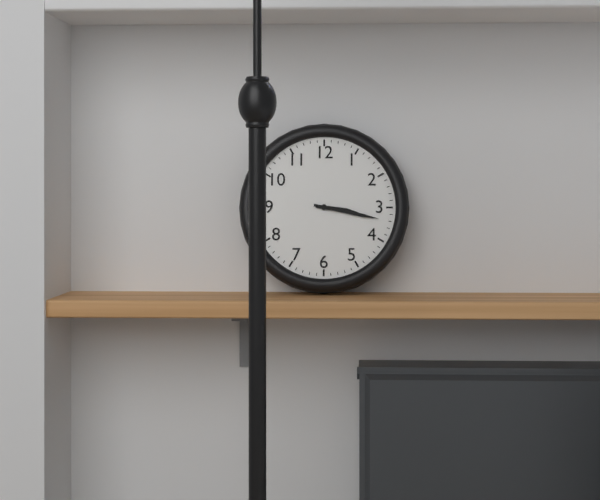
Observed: 3.17
